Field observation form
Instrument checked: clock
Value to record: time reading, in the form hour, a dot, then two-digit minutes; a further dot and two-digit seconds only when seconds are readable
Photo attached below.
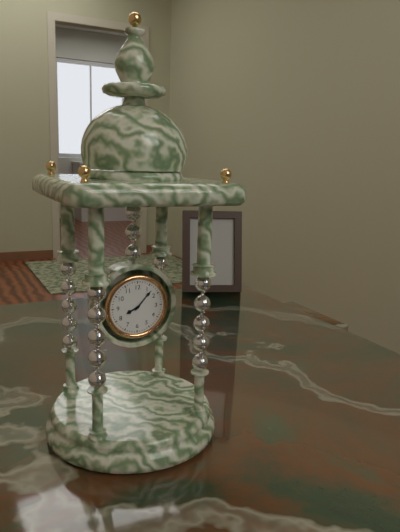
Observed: 8.07
